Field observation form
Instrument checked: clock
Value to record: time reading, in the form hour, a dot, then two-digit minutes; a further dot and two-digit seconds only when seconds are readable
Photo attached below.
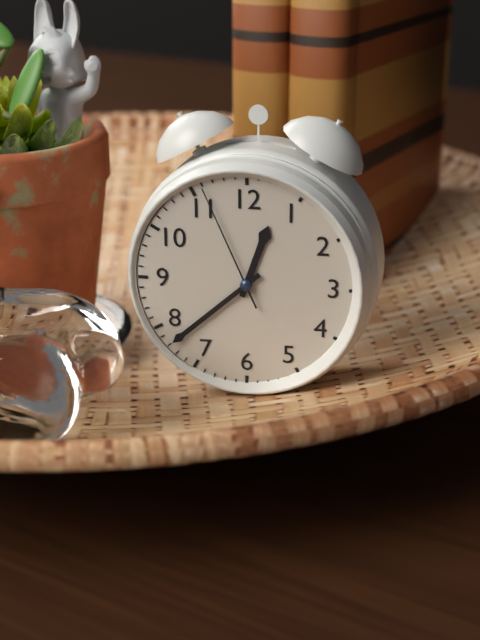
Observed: 12.38.56
